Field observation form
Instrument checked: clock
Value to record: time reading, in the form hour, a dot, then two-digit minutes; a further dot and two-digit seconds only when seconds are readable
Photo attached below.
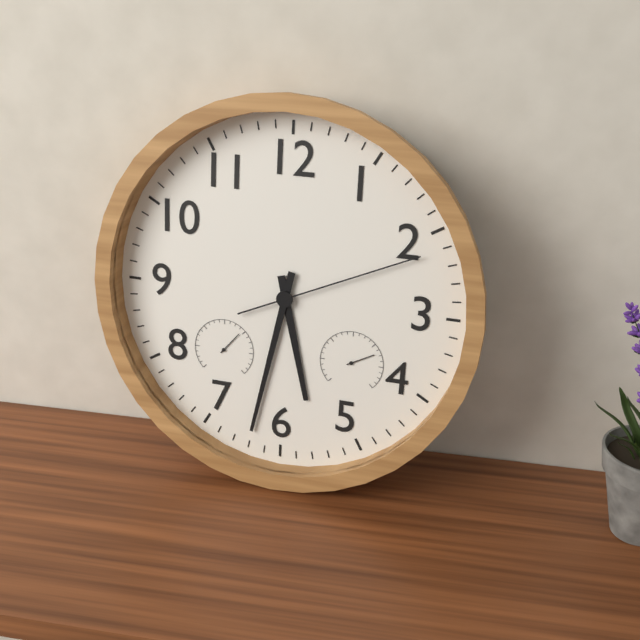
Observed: 5.32.11
